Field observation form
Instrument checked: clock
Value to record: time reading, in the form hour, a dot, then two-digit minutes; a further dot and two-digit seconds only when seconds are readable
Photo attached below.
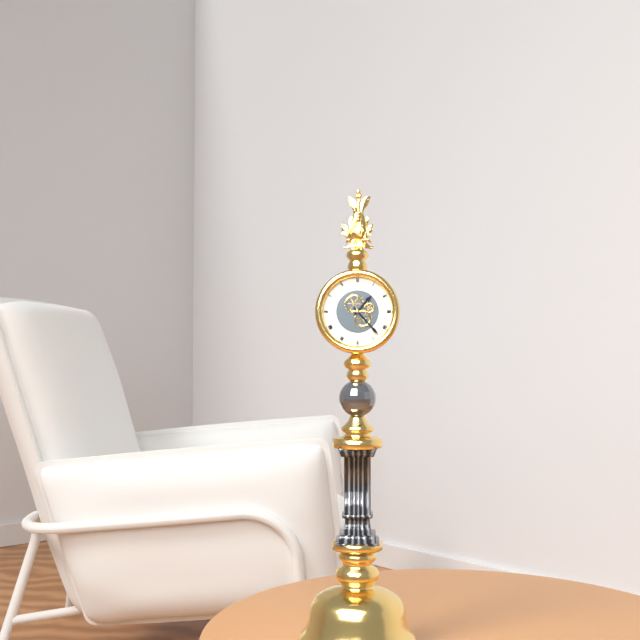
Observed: 1.23
